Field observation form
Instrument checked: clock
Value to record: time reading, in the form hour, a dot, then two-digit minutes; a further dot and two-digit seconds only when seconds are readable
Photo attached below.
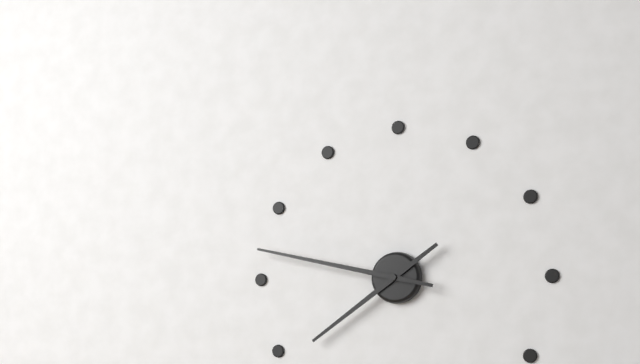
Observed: 7.47
